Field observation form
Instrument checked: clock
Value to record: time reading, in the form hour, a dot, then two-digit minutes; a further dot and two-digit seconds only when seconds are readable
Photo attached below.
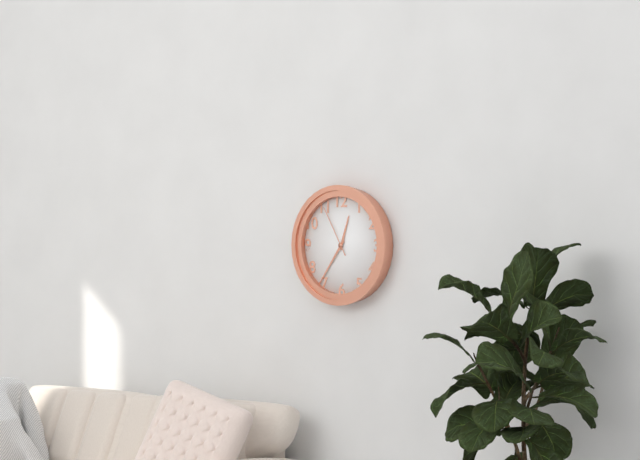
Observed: 12.36.55
